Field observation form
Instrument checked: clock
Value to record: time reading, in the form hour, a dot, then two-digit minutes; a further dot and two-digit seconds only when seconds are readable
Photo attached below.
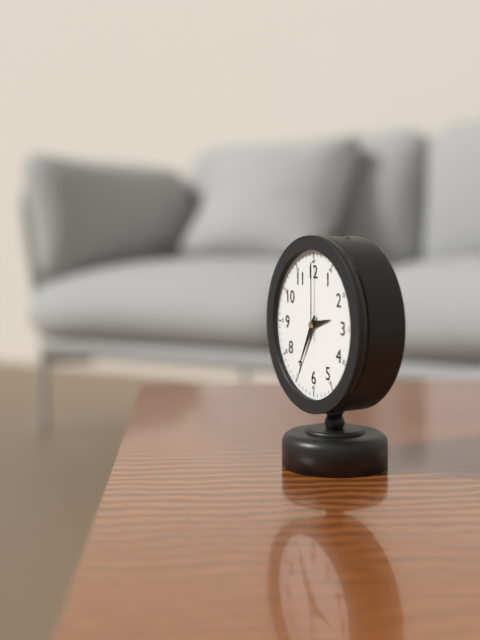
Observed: 2.35.00
